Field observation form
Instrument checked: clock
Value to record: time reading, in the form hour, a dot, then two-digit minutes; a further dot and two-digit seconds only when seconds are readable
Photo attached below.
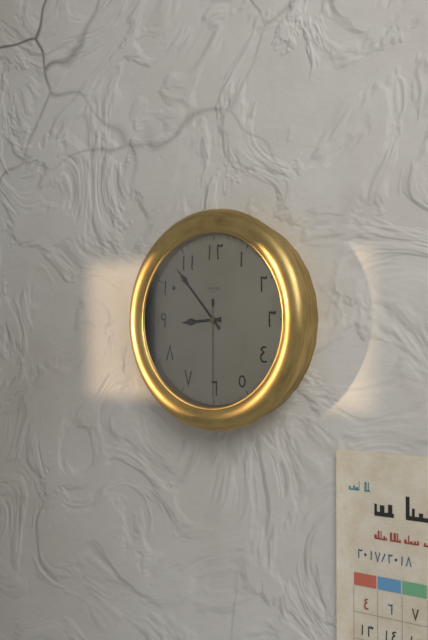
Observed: 8.53.30
